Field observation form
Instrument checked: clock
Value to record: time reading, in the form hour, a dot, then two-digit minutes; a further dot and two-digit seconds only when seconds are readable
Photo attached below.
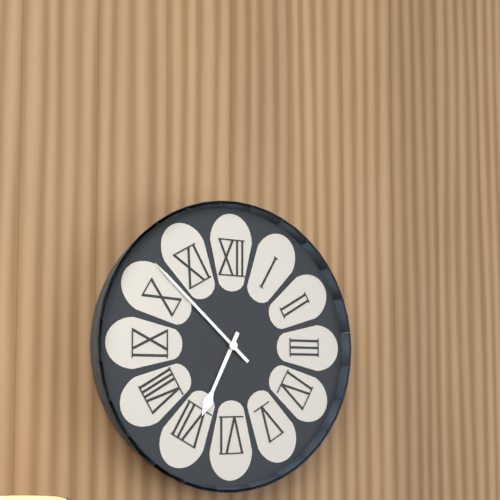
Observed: 6.52
